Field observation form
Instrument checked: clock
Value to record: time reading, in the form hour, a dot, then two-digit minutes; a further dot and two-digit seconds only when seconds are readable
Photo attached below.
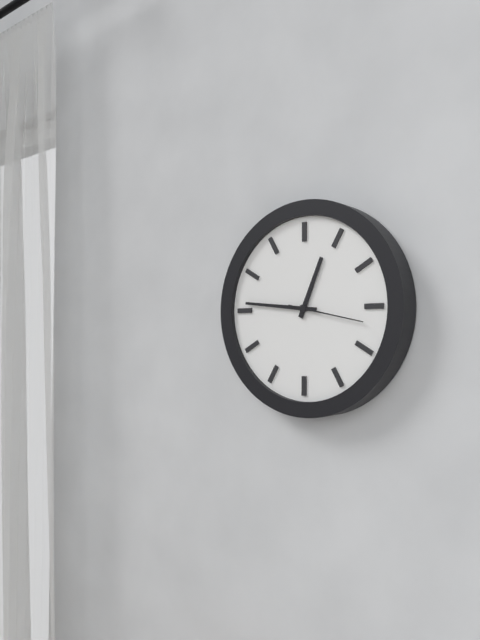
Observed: 12.46.17
